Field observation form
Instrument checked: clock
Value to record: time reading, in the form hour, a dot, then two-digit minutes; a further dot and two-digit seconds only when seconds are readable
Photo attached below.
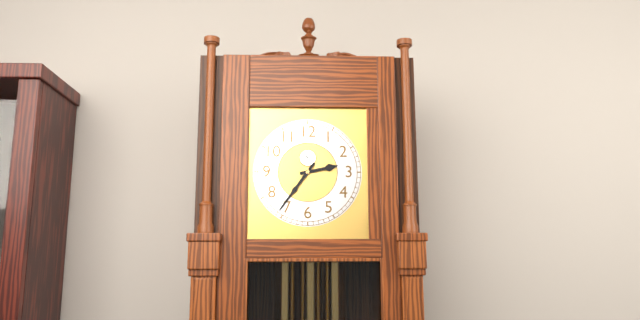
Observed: 2.36
